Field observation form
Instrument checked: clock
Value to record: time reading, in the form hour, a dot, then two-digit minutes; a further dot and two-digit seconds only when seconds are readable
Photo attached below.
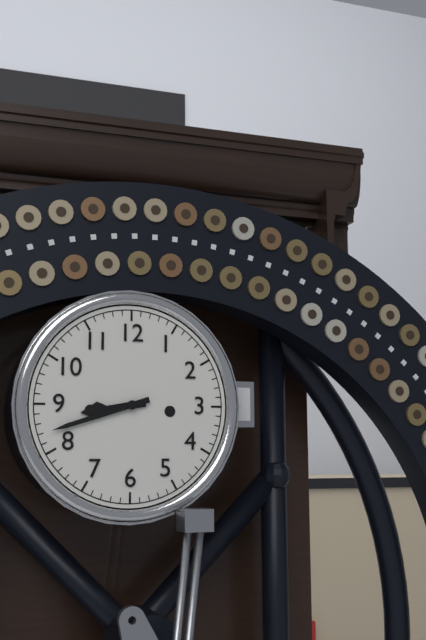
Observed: 8.42
